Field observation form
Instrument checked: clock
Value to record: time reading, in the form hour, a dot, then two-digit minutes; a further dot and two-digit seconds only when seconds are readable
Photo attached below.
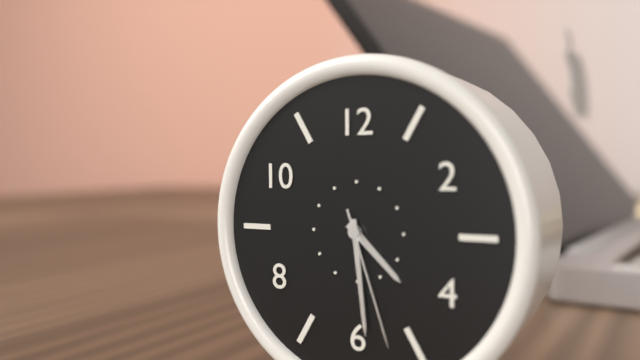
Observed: 4.29.27
